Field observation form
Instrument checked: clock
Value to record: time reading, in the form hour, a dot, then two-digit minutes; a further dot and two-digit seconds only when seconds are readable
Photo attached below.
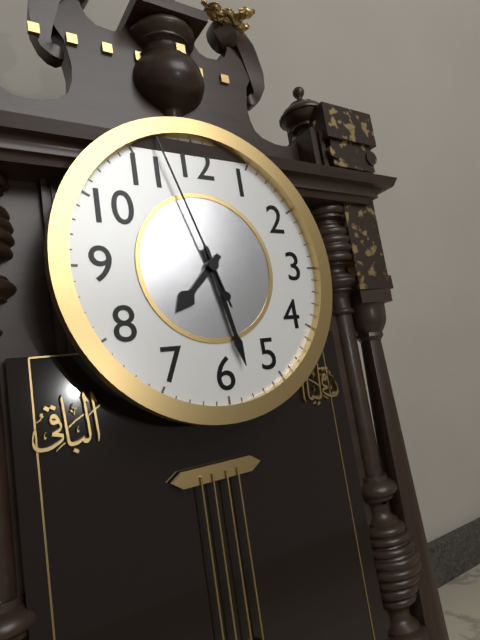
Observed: 7.28.57
